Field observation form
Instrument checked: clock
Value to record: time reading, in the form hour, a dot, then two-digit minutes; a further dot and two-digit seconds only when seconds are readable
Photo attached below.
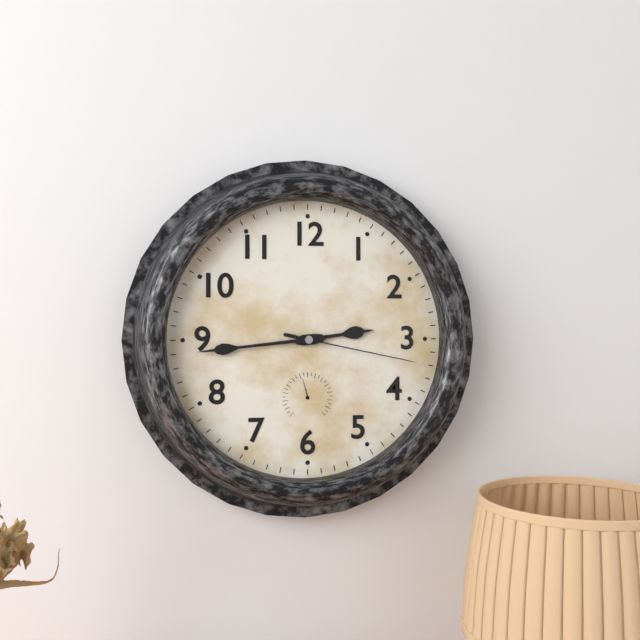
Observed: 2.44.17
